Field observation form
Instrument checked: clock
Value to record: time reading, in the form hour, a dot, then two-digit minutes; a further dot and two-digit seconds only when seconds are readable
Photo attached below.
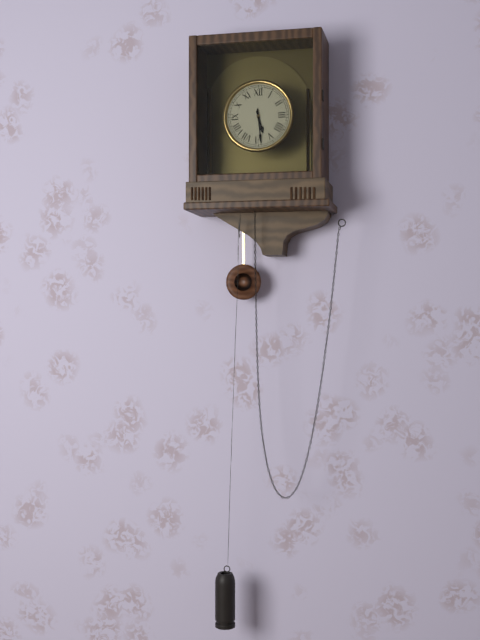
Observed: 5.29
